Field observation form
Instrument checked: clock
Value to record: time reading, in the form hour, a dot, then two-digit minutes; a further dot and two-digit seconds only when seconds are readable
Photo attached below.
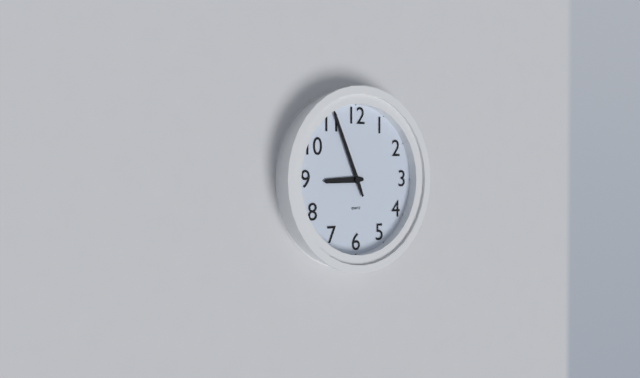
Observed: 8.56
